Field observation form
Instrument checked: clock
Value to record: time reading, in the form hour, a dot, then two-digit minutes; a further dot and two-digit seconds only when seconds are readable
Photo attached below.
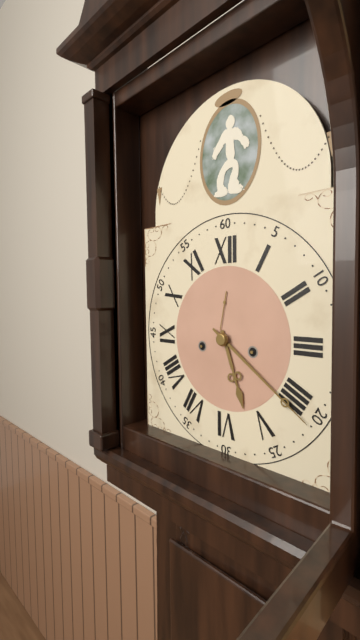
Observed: 5.21
